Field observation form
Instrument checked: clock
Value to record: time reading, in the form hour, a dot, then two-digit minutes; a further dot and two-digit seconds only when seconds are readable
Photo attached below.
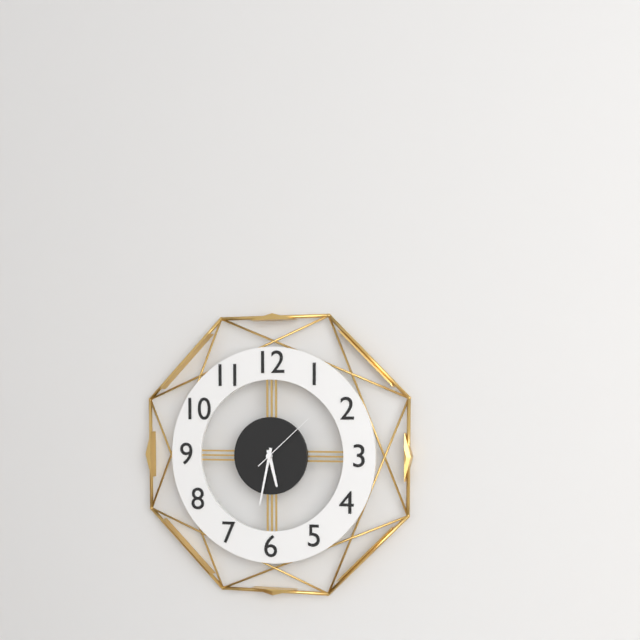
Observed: 5.32.08
